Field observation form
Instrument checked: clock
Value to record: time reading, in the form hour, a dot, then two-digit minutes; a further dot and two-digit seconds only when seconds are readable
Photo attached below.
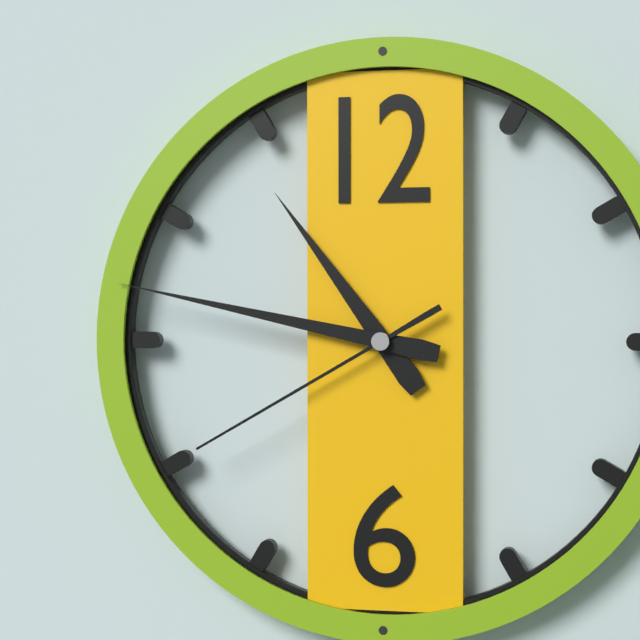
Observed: 10.47.40
